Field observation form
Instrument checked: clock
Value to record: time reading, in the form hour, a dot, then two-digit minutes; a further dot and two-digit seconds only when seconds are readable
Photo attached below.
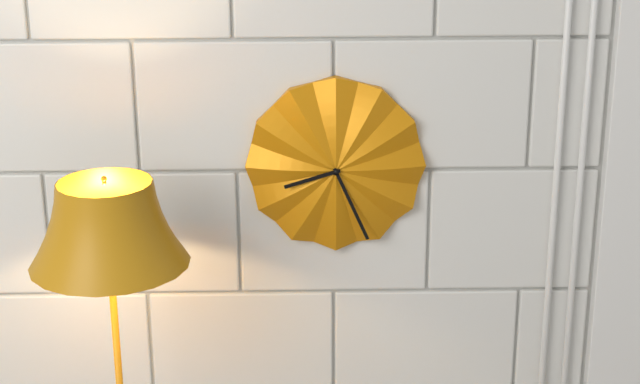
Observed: 8.26
